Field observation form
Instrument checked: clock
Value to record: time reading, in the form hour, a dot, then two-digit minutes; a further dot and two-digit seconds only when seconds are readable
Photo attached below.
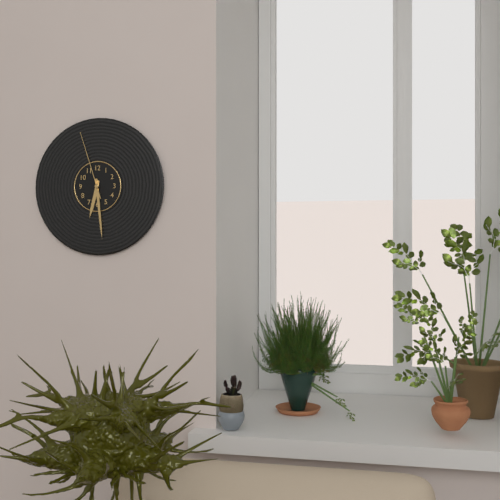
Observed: 6.29.57
